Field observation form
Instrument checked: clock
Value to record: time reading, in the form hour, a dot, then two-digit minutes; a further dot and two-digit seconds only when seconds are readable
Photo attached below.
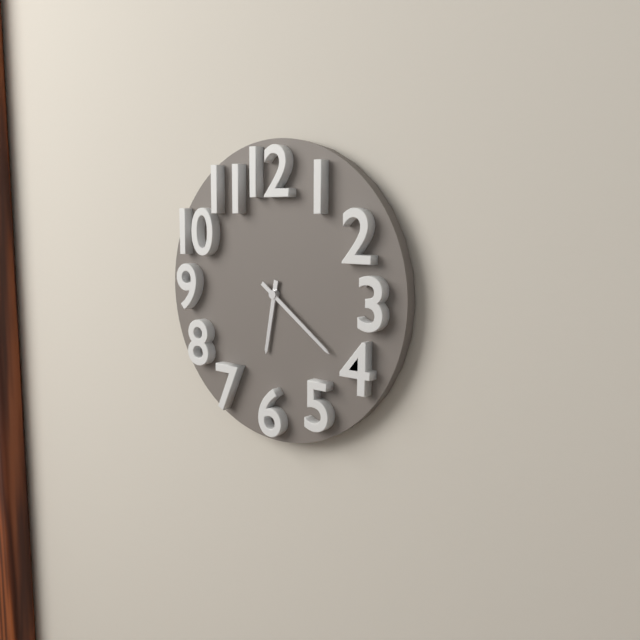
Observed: 6.21
